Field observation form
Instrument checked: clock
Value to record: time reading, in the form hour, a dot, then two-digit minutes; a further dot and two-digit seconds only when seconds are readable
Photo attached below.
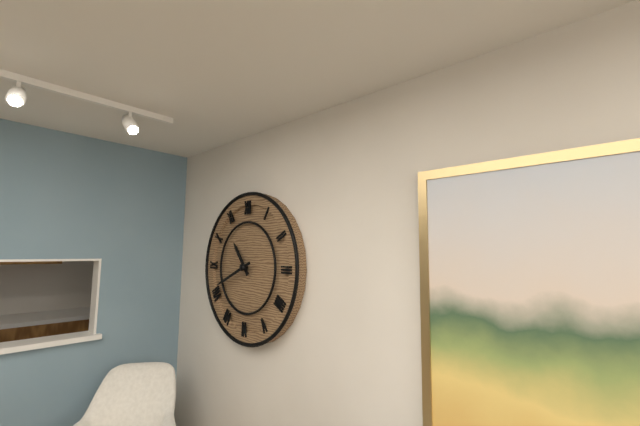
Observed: 10.41
